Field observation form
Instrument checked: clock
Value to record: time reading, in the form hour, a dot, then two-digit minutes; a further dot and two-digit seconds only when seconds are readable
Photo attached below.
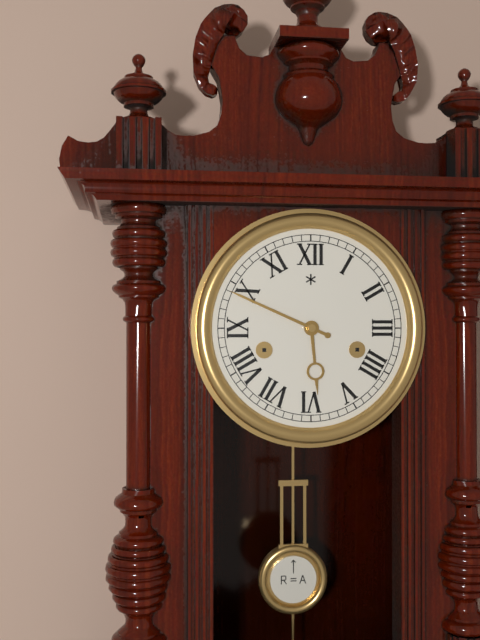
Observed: 5.49
